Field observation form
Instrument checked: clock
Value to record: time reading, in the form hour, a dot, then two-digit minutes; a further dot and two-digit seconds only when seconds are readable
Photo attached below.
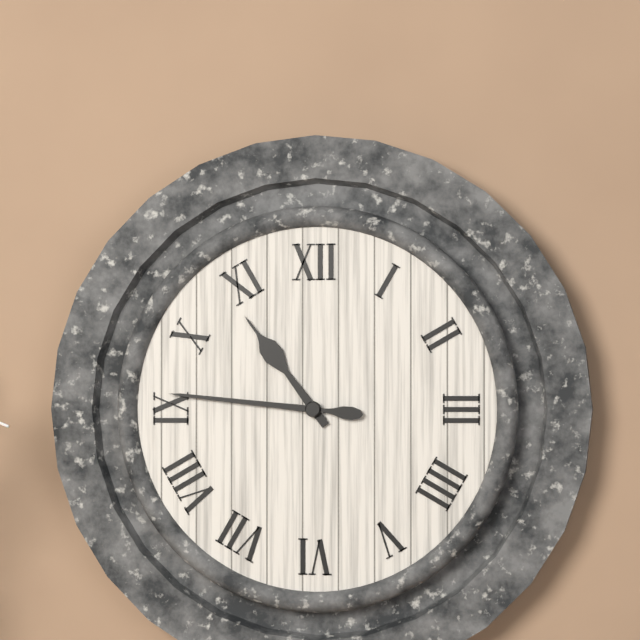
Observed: 10.46
